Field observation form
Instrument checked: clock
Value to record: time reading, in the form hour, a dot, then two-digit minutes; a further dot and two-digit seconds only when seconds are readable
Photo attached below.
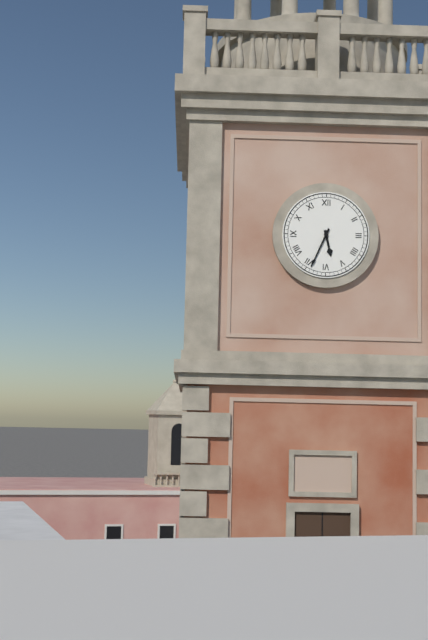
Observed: 5.34
